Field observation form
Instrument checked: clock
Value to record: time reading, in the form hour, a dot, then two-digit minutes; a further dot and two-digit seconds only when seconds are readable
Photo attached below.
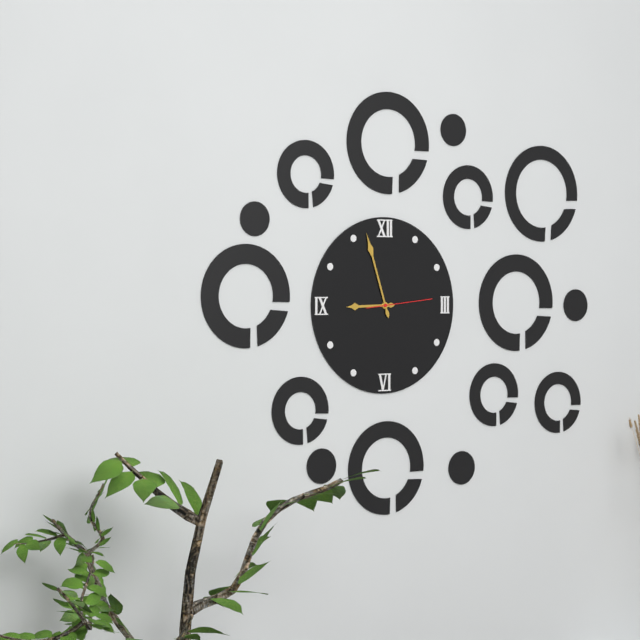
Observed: 8.57.14
